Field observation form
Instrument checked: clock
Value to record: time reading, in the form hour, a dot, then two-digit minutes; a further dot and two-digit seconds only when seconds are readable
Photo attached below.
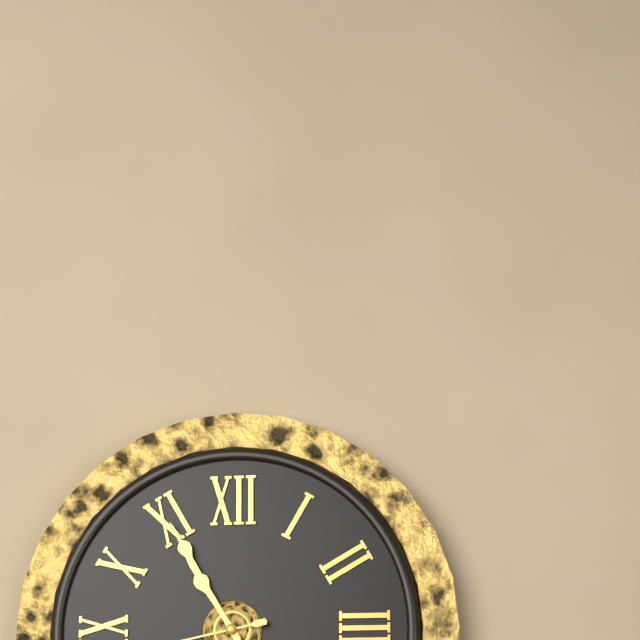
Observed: 10.55
